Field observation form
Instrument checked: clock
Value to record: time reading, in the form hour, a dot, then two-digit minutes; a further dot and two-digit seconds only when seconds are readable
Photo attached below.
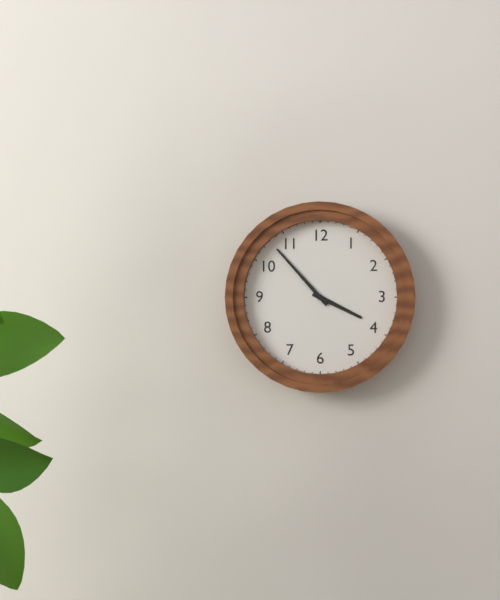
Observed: 3.53
